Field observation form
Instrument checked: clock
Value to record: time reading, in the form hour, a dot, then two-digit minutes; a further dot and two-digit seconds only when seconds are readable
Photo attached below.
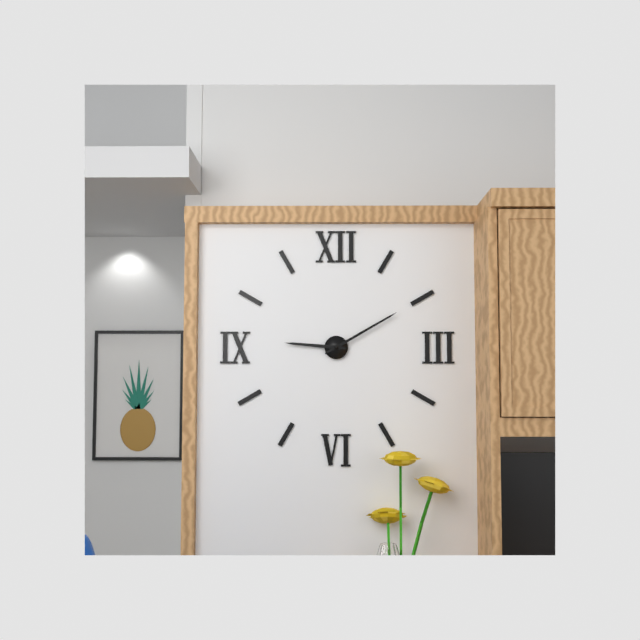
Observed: 9.10
